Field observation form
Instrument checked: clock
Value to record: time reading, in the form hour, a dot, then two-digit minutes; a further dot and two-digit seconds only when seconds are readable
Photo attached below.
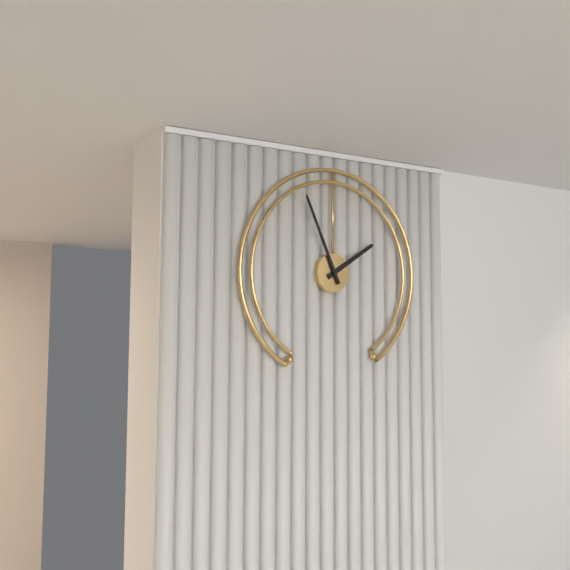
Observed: 1.56
